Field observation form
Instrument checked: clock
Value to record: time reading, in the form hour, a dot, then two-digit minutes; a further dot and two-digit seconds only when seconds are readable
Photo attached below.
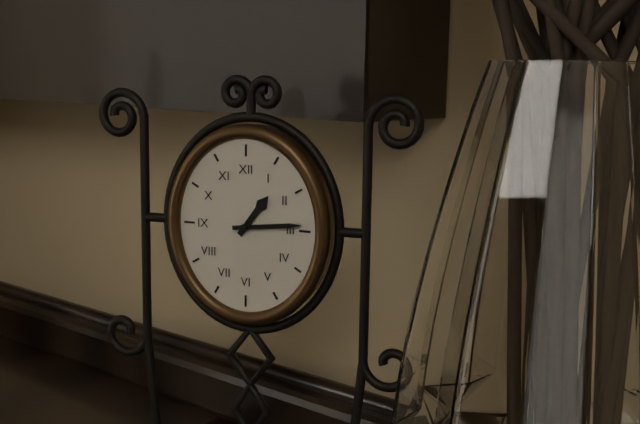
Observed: 1.14
